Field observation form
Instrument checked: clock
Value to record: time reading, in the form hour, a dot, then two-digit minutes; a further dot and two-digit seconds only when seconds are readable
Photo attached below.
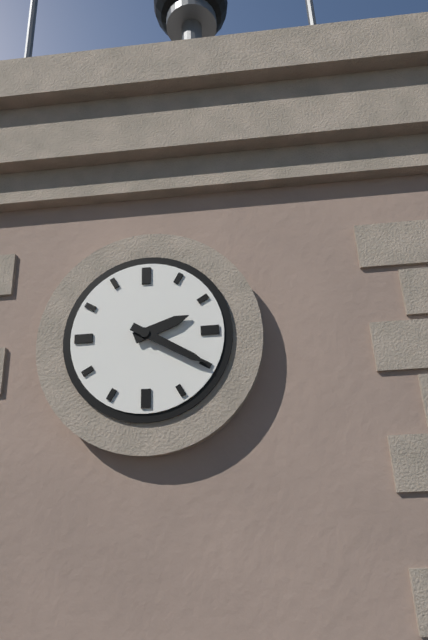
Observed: 2.20
